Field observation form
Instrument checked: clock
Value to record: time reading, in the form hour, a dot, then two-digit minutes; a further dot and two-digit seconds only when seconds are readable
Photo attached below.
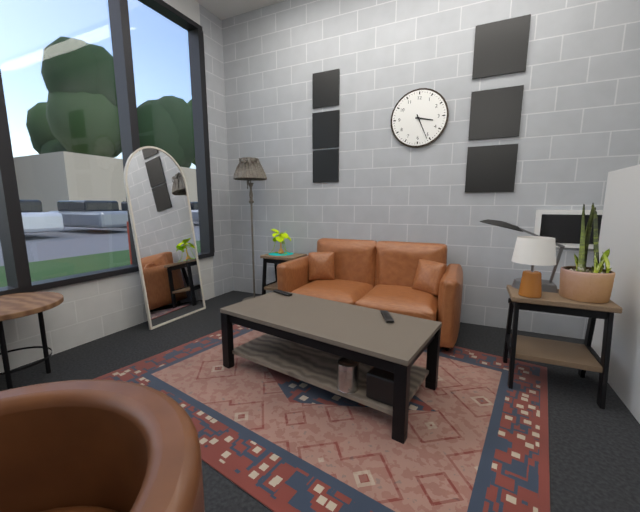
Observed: 3.26
